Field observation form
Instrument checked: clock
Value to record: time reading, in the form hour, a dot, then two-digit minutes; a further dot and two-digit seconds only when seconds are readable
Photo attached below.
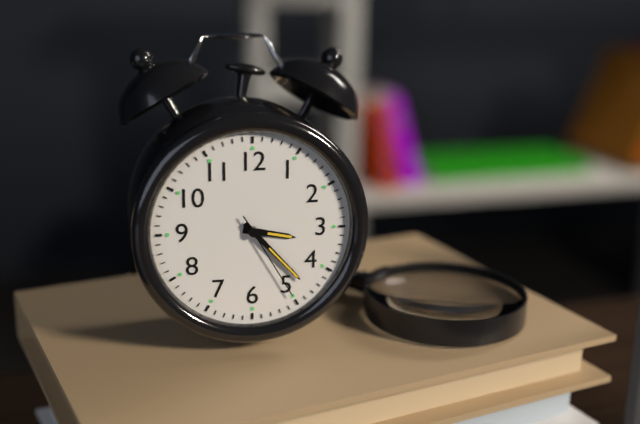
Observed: 3.23.25
